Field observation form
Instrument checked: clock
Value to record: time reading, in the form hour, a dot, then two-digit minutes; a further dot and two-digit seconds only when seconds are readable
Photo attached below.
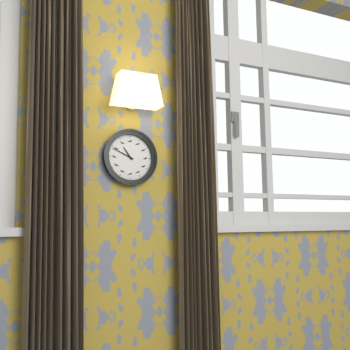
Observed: 10.49
